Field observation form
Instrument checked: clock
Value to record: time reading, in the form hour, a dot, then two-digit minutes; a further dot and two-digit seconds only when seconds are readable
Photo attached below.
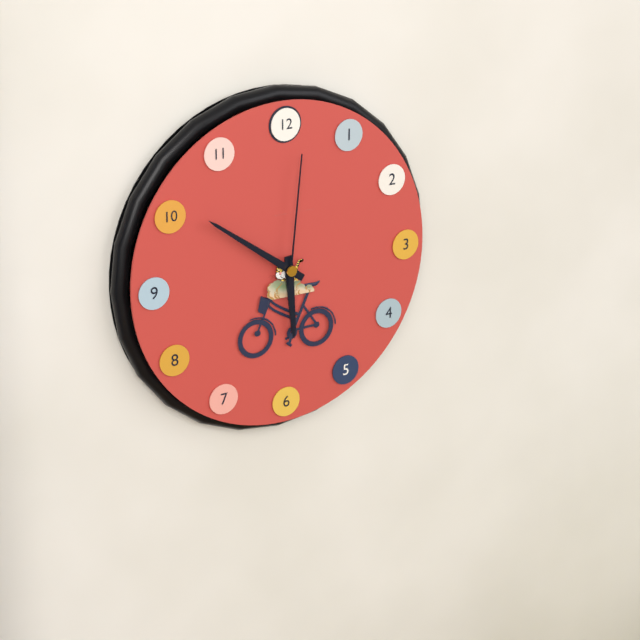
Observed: 5.51.01
